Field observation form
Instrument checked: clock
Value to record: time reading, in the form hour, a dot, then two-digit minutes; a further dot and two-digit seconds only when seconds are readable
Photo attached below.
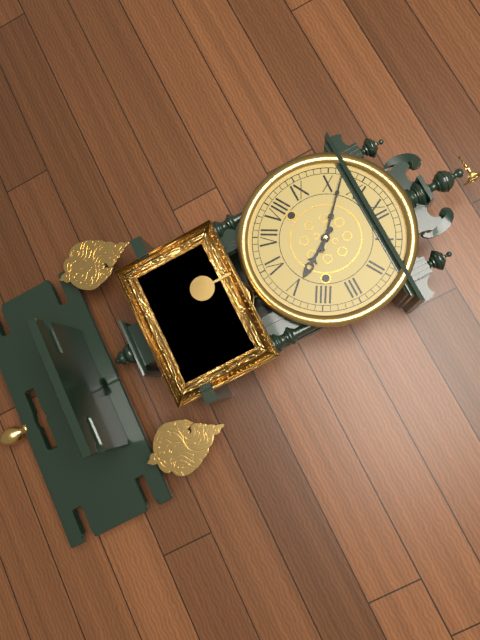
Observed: 4.52
